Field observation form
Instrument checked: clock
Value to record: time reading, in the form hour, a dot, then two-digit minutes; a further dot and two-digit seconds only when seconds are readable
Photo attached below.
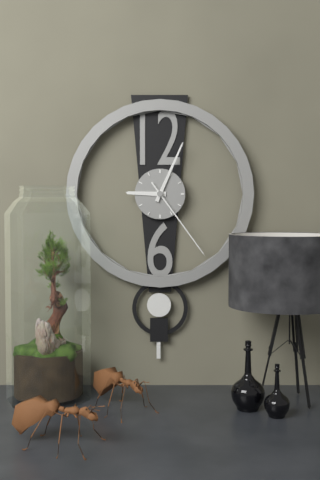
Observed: 9.04.24
